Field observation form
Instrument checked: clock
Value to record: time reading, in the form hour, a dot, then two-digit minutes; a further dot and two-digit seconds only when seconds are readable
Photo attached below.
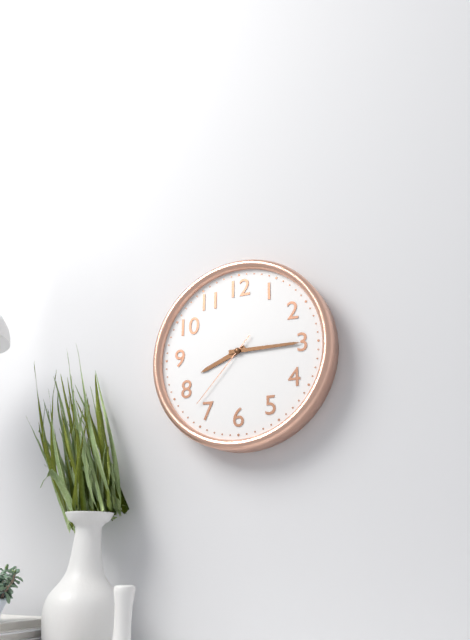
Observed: 8.15.37
